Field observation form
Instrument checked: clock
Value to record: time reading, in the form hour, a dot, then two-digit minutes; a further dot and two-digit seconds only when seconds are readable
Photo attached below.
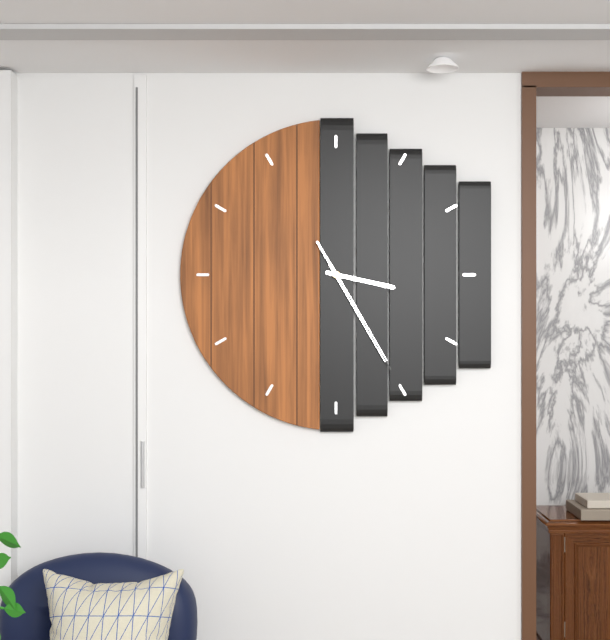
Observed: 3.25.25
